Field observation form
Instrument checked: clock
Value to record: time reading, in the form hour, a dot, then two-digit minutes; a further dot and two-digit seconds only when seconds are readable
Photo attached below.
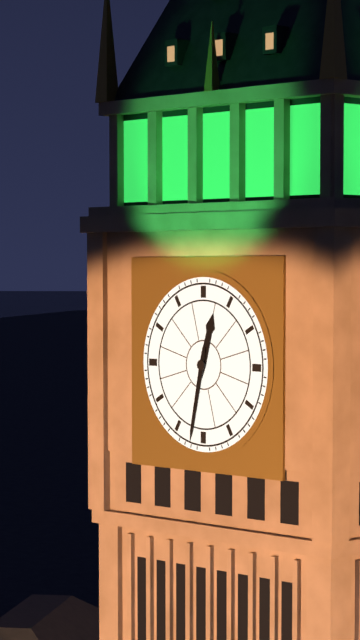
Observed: 12.32
